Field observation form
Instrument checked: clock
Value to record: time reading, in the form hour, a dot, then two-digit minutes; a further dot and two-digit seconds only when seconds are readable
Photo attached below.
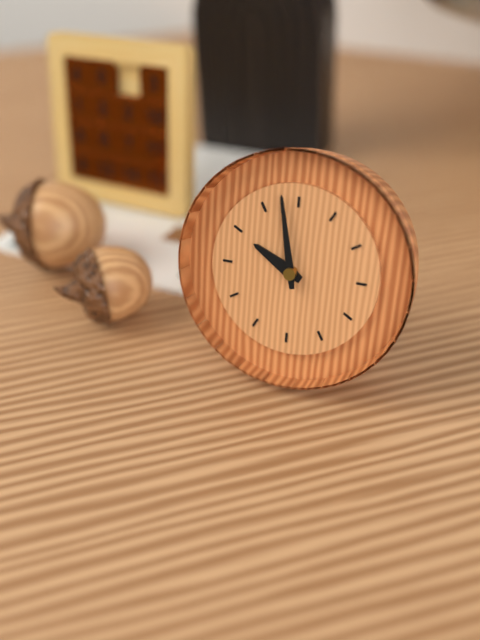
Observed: 9.58
